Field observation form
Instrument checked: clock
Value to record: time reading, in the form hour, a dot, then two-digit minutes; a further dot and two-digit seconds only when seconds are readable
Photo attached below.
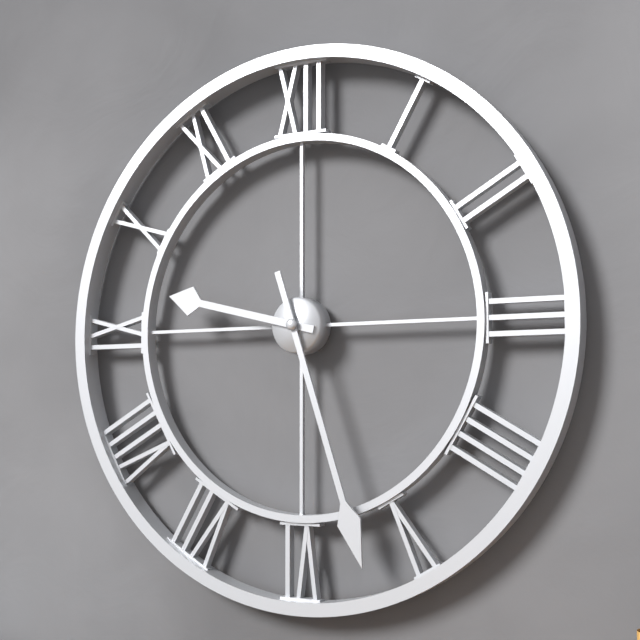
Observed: 9.27
